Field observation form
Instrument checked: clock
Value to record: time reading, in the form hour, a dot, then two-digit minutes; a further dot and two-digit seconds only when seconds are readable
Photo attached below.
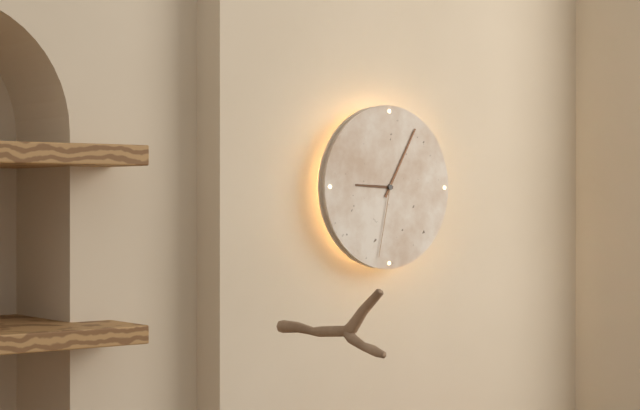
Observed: 9.05.32
